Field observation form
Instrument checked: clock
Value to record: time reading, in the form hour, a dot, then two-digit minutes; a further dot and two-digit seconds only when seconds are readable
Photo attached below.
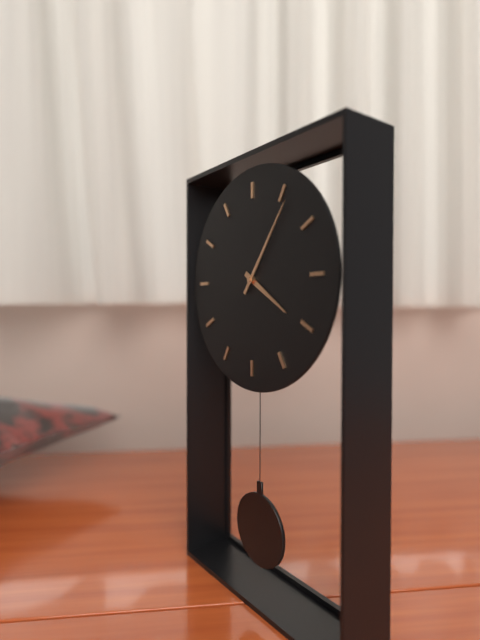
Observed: 4.06
